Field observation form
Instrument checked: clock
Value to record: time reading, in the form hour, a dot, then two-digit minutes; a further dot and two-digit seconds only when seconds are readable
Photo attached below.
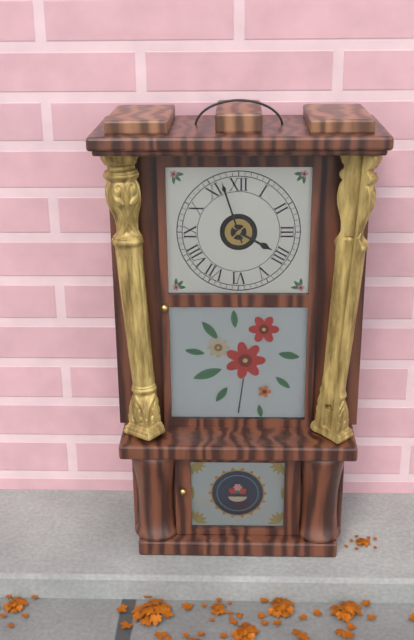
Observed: 3.57
